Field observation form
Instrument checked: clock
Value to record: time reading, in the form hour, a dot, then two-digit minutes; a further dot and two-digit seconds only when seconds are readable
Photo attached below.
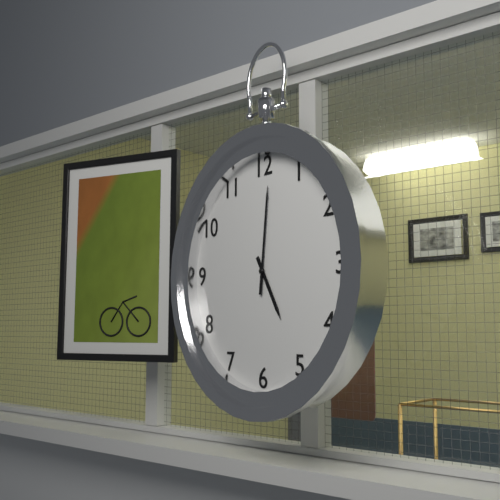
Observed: 5.01
